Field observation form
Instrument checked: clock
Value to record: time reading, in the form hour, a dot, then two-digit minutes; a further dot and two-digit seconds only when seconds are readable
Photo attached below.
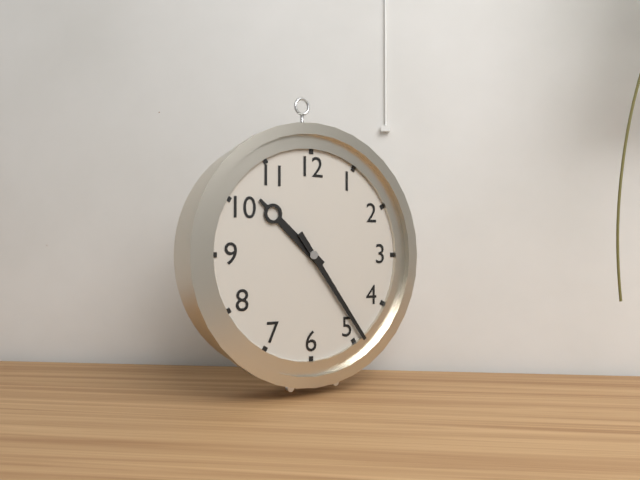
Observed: 10.24
